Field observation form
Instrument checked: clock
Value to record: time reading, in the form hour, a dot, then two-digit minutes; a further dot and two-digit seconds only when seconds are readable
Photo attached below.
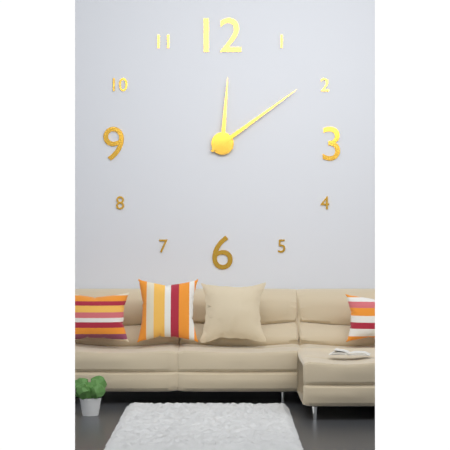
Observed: 12.09
